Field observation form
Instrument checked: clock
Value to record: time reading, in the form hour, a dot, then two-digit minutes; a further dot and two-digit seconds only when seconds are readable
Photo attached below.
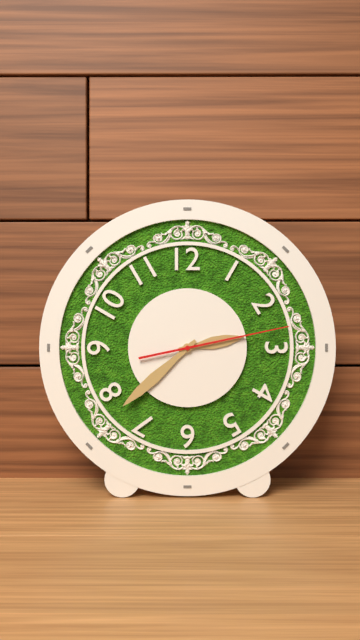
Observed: 2.38.13
